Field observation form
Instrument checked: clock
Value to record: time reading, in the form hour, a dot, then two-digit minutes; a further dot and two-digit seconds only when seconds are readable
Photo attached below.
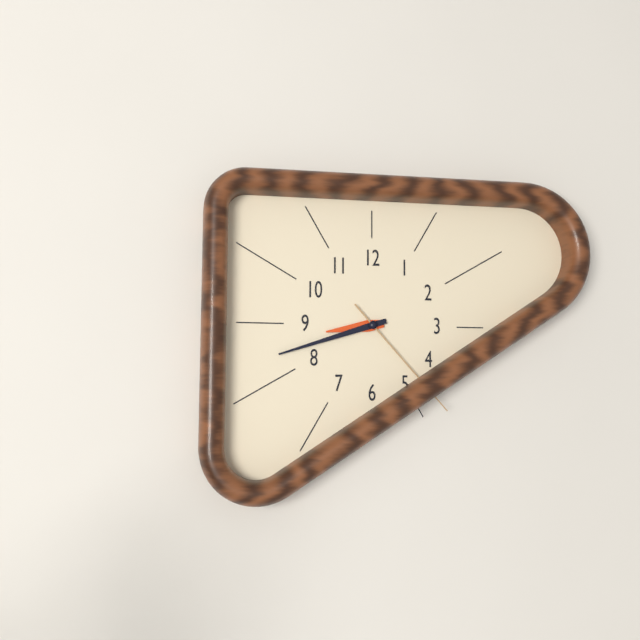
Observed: 8.42.23
